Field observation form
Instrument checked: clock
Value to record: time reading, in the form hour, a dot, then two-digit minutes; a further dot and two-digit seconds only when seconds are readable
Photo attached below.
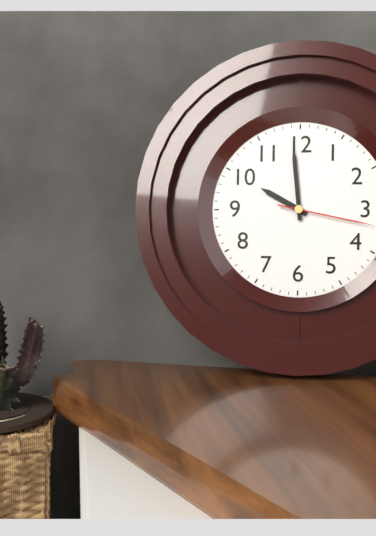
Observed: 9.59.17
